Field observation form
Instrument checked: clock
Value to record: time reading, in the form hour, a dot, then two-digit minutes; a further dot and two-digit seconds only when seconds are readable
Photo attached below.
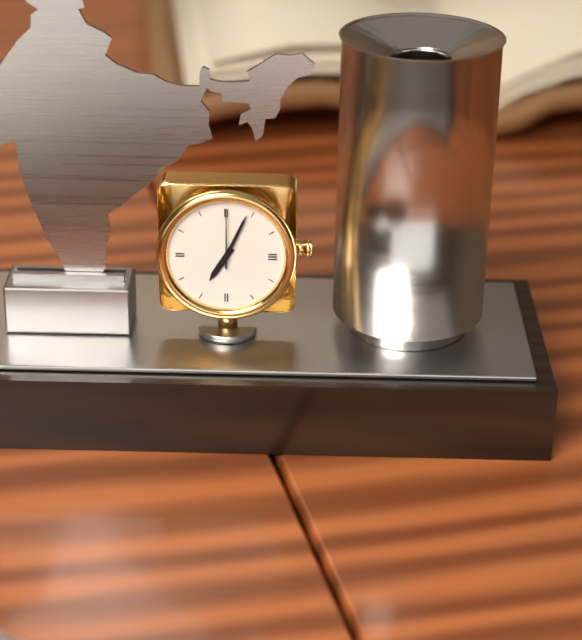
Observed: 7.04.00
